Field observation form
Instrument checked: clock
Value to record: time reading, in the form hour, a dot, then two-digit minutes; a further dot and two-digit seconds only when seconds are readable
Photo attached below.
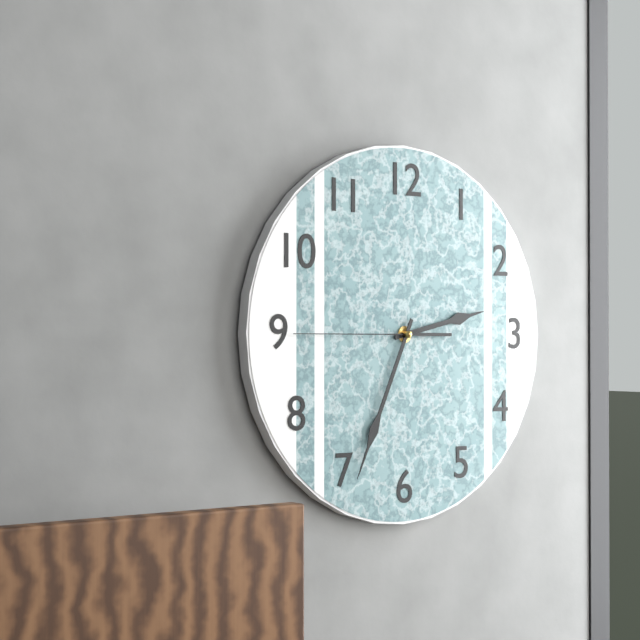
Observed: 2.34.45
